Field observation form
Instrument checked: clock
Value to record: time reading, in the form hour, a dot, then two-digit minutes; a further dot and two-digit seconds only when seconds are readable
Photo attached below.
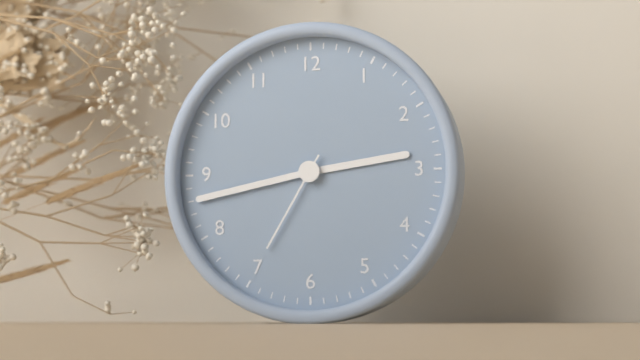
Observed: 2.43.35
